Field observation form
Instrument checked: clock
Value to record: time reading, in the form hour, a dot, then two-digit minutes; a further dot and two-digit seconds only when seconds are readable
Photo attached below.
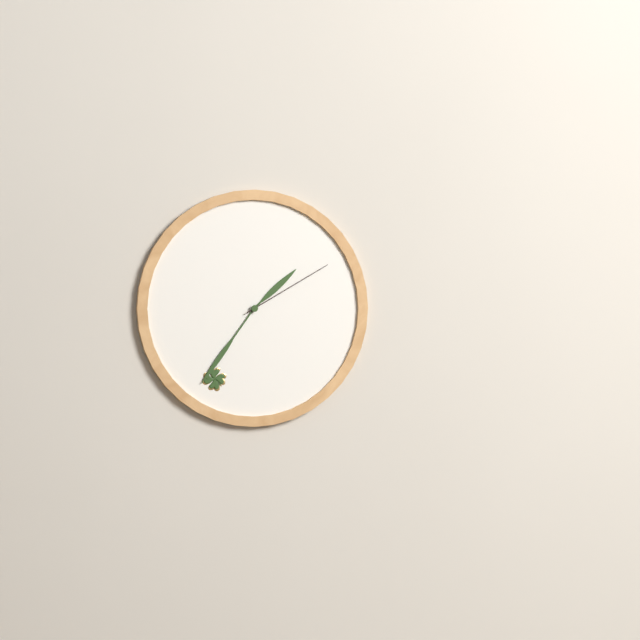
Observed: 1.36.10
